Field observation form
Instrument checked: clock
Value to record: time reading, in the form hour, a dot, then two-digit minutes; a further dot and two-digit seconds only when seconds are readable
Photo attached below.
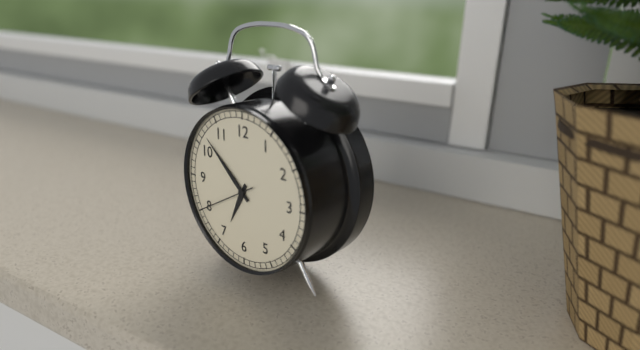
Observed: 6.52.40
